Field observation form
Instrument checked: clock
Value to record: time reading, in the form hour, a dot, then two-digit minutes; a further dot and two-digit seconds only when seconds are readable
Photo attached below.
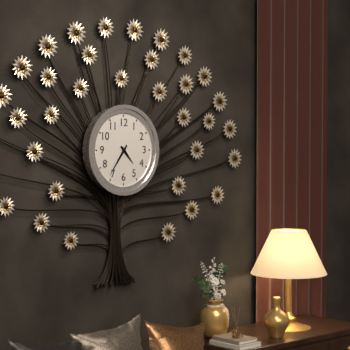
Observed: 4.36
